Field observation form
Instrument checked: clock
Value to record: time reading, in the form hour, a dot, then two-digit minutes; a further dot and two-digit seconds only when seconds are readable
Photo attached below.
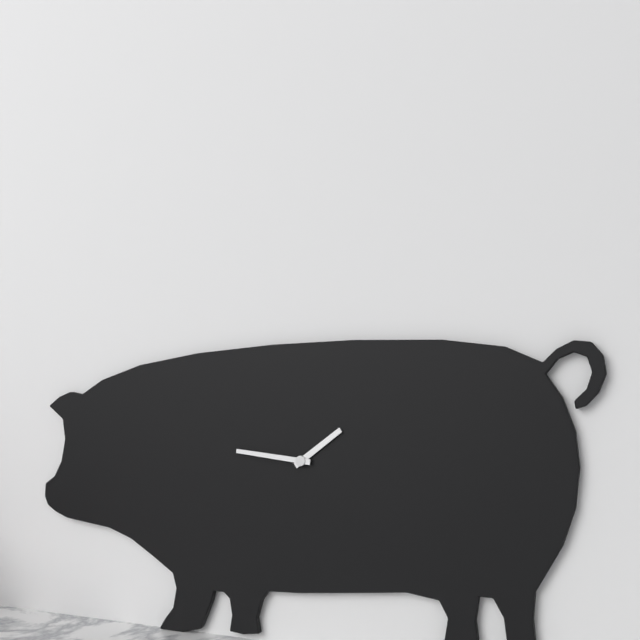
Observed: 1.46
